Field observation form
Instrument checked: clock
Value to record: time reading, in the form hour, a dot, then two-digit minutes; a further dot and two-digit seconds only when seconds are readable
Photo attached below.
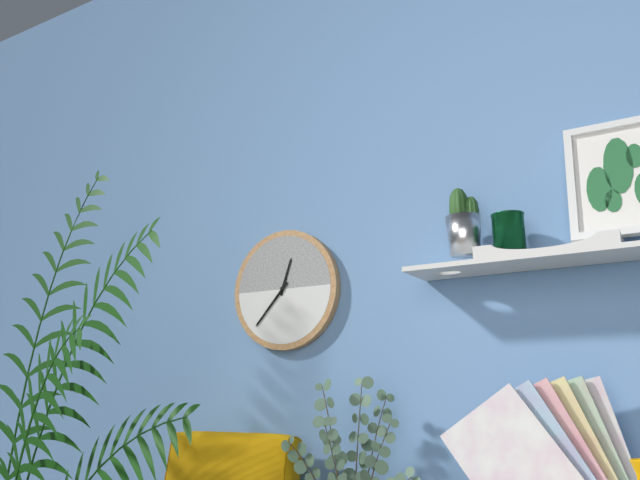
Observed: 12.37
